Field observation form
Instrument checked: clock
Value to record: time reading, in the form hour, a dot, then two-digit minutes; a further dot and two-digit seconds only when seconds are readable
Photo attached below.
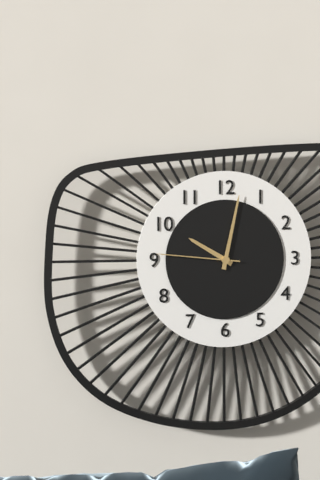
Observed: 10.02.46
